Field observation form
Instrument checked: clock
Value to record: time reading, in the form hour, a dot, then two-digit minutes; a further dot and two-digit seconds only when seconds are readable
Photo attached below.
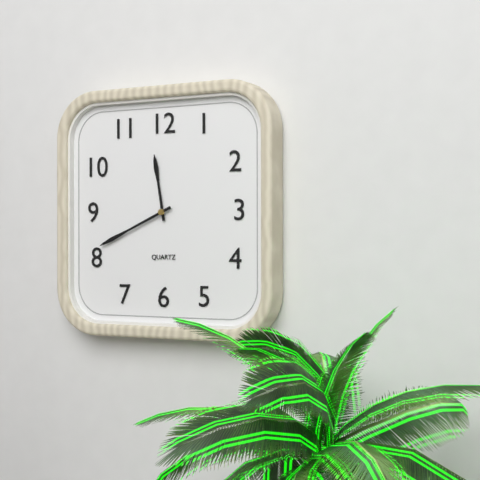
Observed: 11.41
